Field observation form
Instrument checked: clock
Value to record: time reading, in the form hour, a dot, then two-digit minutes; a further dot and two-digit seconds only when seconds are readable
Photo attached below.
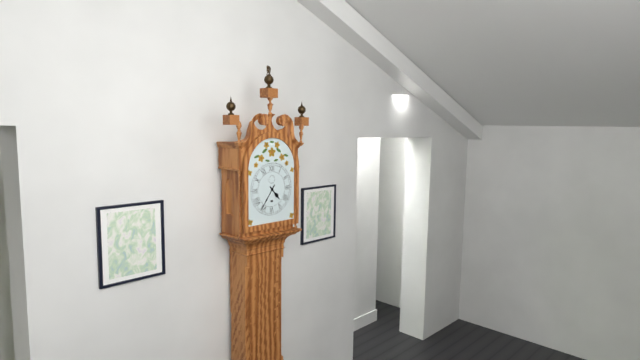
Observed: 4.36
